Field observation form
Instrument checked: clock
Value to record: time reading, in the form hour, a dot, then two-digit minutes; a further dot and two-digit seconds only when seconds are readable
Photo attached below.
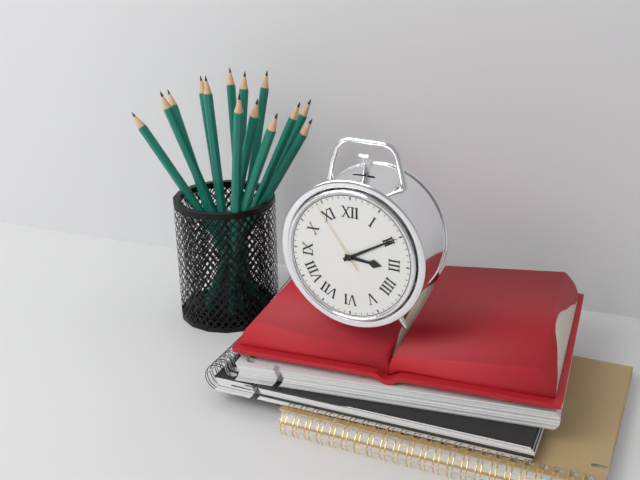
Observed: 3.10.54
